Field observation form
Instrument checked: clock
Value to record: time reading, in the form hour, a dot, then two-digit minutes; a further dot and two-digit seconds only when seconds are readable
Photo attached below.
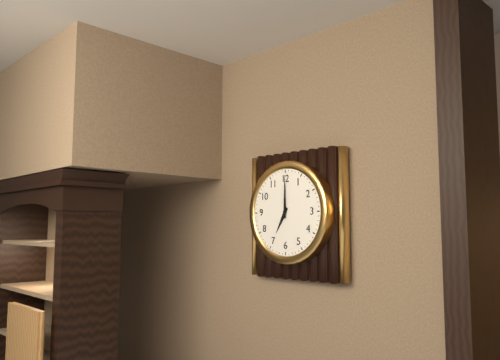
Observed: 7.00
